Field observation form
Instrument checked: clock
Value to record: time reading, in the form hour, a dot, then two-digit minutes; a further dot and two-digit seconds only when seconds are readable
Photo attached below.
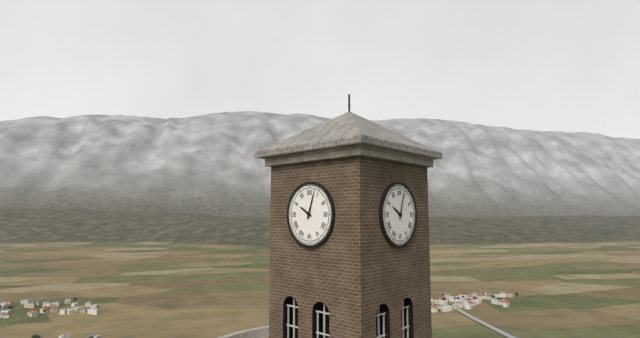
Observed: 10.03
